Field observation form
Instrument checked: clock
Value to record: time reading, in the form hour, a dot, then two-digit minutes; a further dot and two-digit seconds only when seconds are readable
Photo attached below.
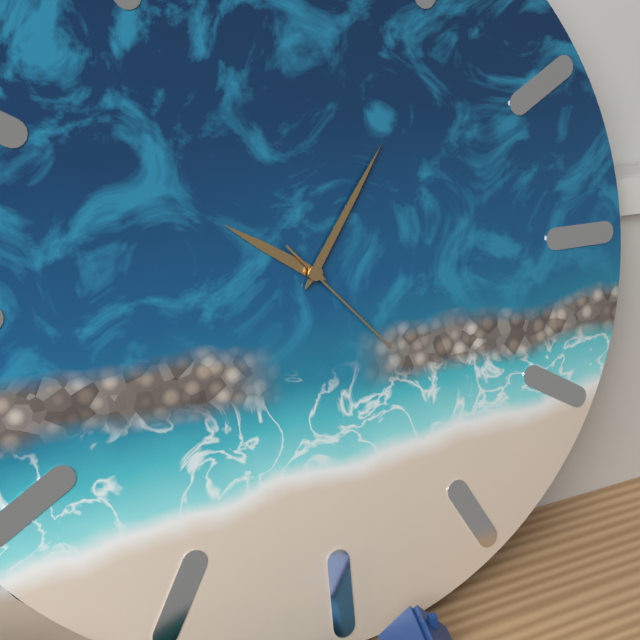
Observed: 10.06.23
